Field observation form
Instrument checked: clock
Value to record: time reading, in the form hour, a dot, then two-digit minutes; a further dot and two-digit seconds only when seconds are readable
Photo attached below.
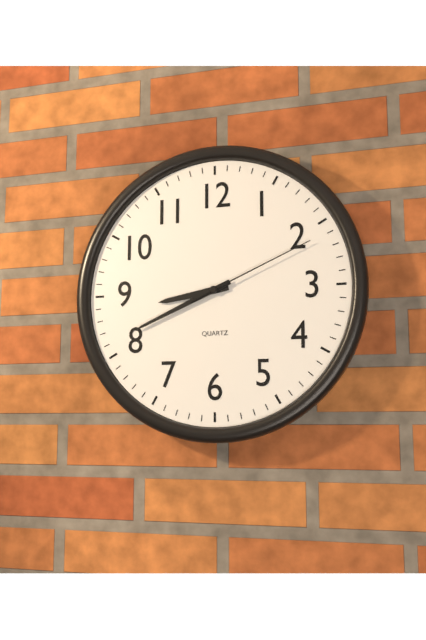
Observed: 8.41.11
